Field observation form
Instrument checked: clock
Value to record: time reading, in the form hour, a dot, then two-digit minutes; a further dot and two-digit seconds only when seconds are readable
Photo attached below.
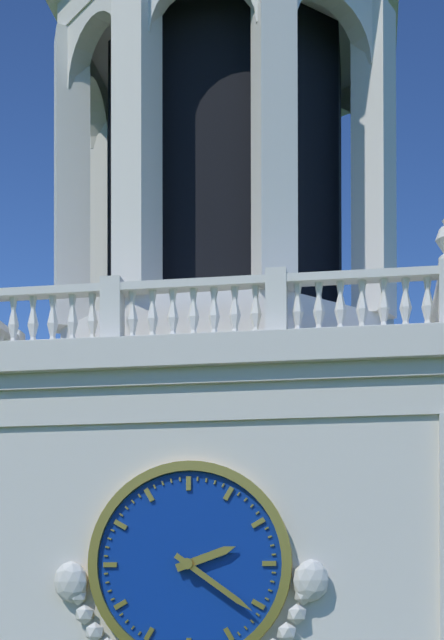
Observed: 2.21
